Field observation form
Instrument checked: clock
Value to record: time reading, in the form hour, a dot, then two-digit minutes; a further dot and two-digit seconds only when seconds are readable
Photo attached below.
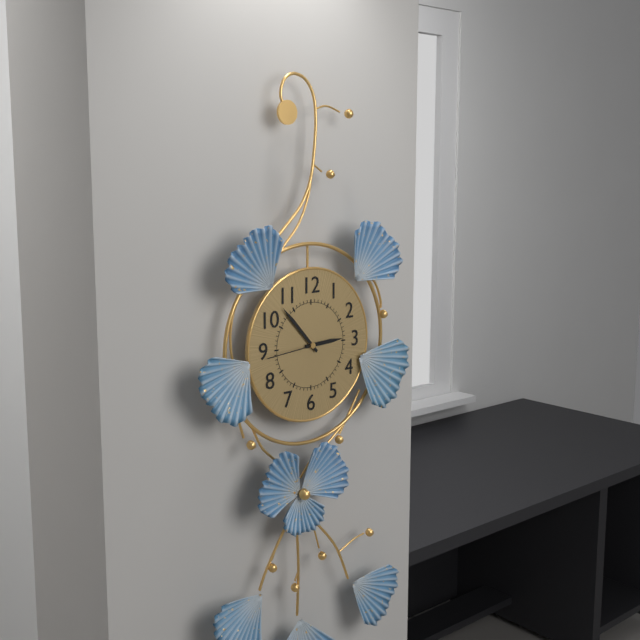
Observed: 2.53.44
